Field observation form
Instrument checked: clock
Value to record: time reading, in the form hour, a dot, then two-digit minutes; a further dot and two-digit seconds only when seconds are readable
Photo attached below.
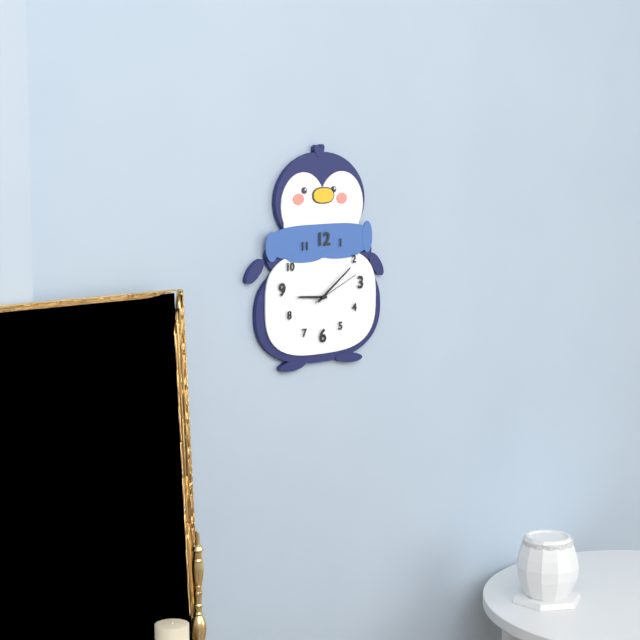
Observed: 9.09.11
